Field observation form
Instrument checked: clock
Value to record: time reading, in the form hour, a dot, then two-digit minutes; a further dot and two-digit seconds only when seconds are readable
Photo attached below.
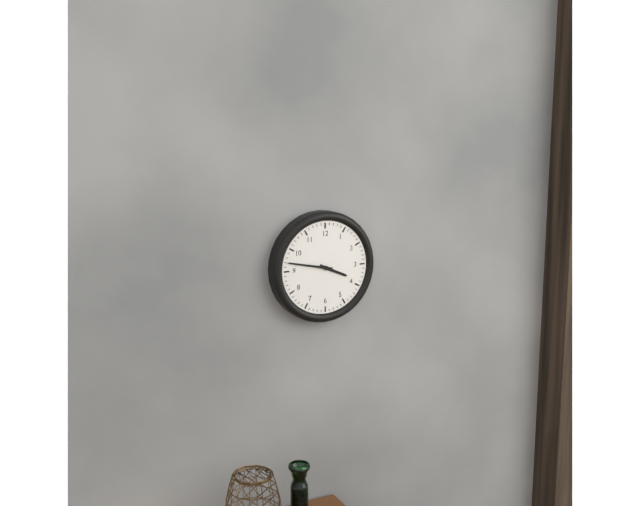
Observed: 3.47
